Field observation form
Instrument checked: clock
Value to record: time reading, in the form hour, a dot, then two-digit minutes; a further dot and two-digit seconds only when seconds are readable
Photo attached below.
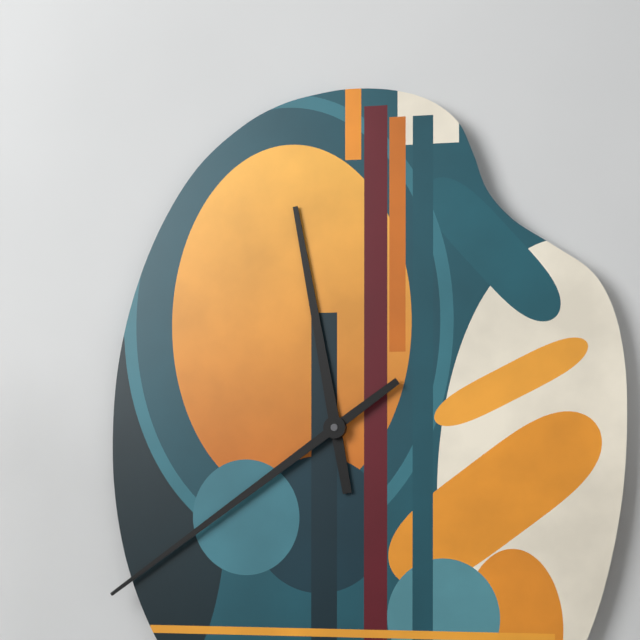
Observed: 11.39
